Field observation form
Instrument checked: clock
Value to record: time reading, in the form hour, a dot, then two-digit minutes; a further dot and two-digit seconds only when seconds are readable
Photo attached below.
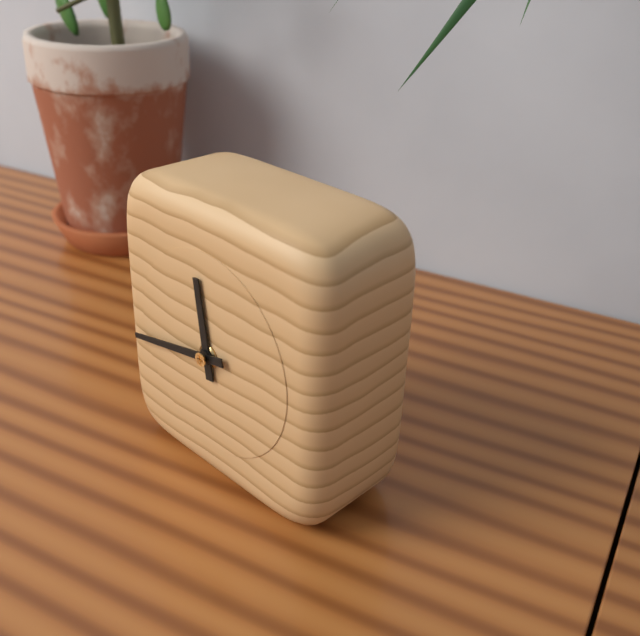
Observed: 11.43
